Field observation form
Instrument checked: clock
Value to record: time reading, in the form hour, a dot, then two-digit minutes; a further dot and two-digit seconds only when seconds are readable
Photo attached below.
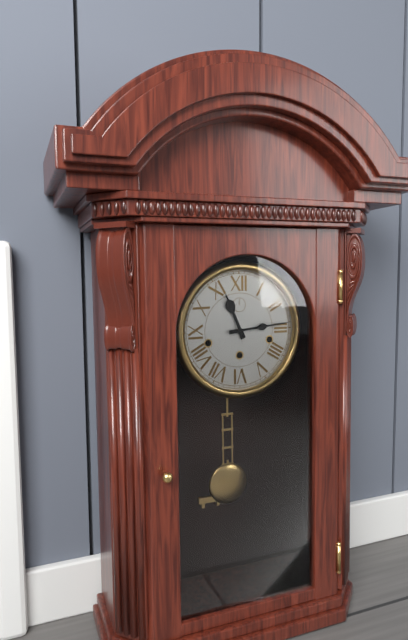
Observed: 11.14
